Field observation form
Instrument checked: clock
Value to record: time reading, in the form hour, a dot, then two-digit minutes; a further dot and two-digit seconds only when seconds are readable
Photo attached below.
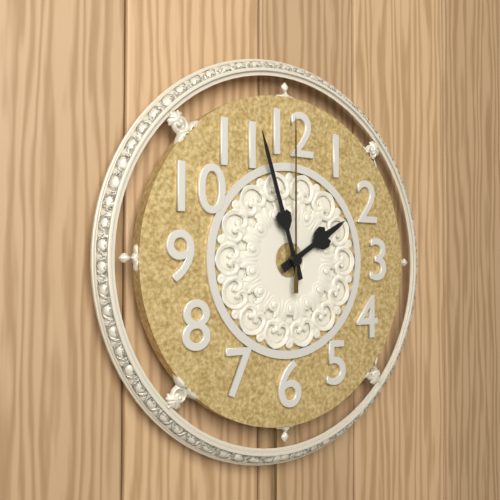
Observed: 1.57.00
